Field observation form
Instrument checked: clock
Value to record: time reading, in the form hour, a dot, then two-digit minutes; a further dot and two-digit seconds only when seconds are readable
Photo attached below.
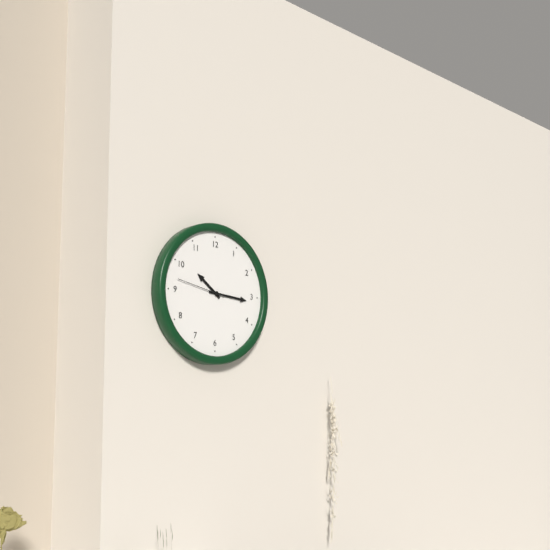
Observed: 10.16.47
